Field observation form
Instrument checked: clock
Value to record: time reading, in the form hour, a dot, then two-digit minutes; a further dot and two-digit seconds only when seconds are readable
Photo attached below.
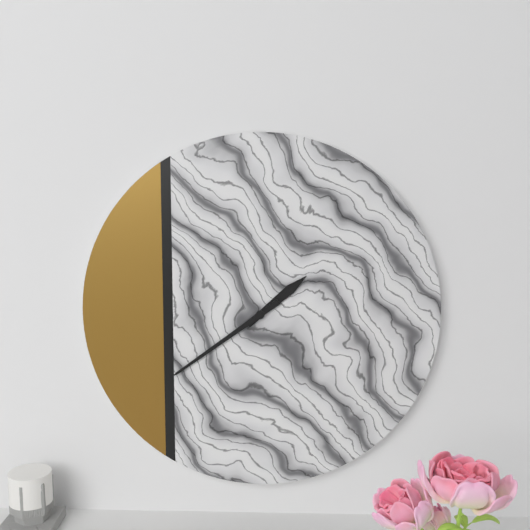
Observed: 1.39
